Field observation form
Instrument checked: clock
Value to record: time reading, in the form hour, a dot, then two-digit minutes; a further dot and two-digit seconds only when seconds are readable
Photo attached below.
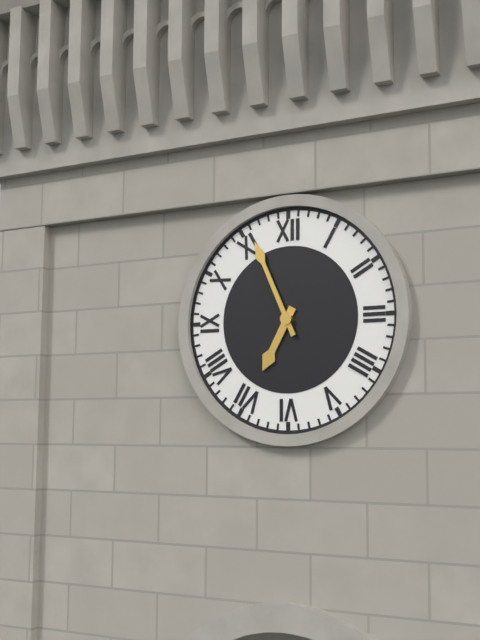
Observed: 6.56
